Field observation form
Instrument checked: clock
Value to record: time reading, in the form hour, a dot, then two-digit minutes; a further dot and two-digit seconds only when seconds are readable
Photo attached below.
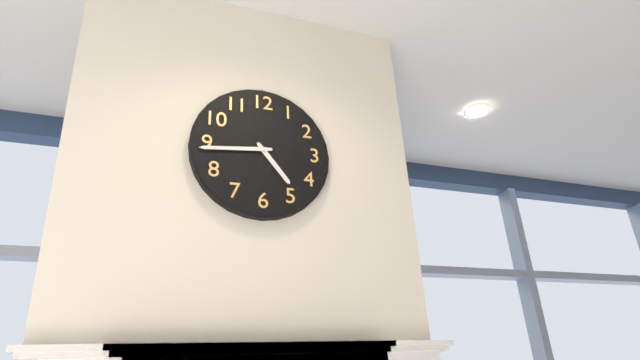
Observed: 4.44
